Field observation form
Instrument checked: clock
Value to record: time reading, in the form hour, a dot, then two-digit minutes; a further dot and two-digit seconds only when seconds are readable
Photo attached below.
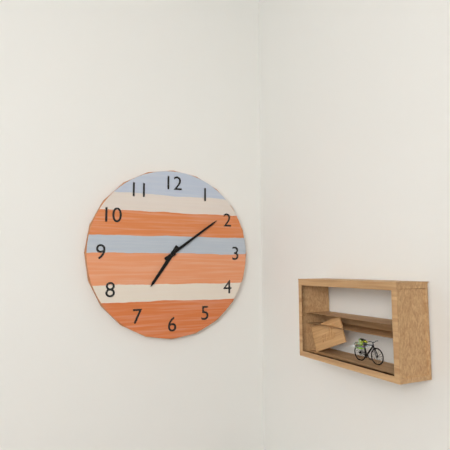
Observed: 7.09
